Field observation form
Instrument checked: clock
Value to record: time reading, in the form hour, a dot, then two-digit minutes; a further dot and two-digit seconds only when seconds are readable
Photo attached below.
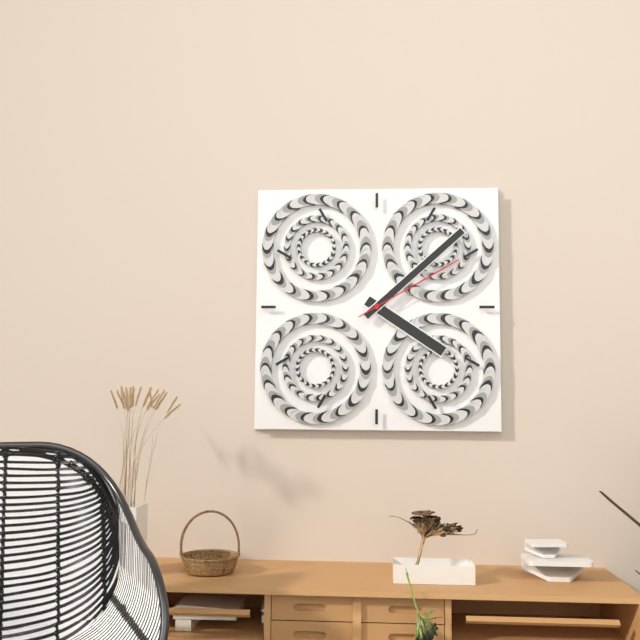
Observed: 4.08.10
